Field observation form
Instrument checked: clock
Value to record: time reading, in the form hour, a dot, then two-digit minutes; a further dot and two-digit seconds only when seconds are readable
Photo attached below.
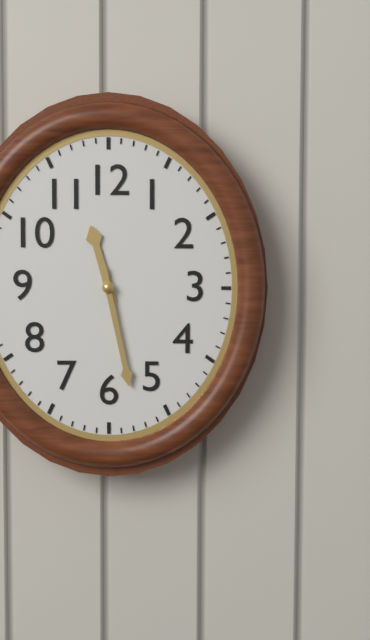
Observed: 11.28
